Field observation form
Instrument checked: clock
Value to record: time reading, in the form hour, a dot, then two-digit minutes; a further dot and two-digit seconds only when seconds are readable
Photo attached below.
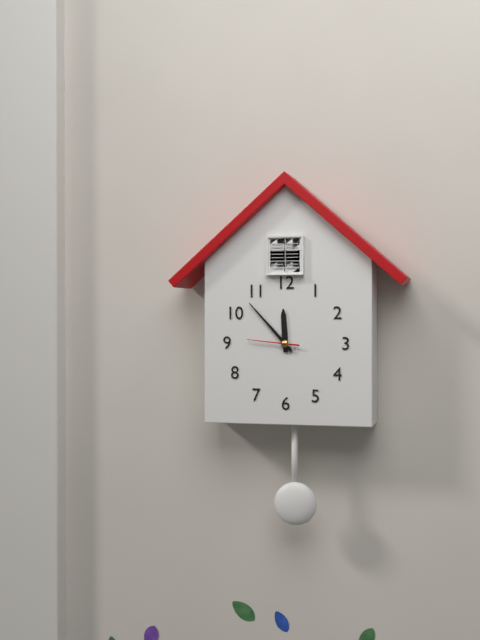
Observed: 11.53
